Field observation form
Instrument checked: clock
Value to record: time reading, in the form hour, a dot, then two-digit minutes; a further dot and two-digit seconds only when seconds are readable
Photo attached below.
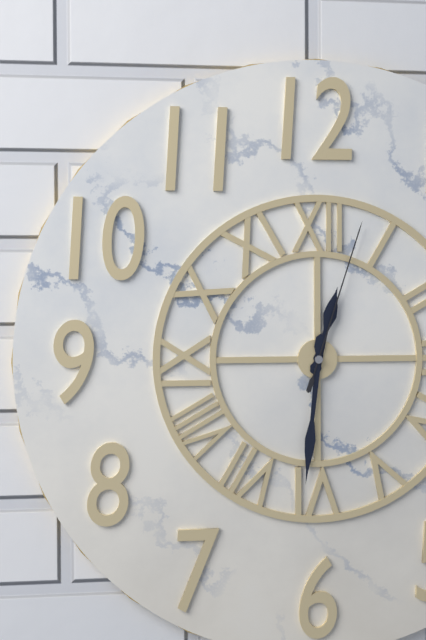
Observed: 12.31.03
